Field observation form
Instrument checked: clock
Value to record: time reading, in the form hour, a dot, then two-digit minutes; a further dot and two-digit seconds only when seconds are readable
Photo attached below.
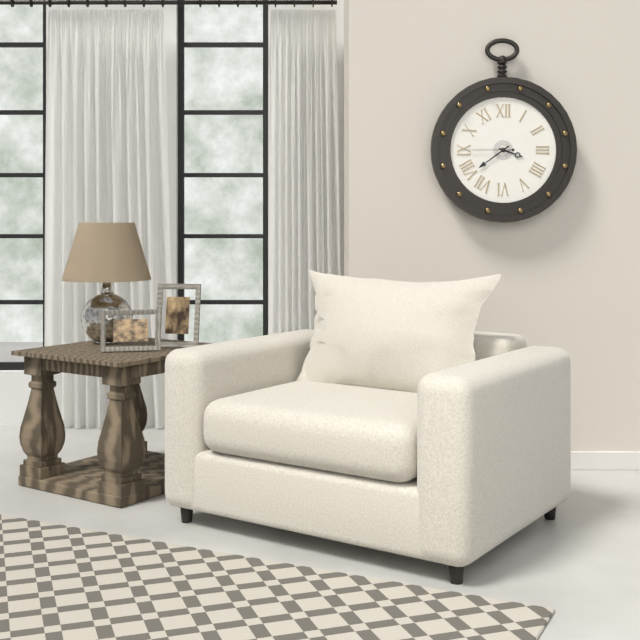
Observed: 3.39
